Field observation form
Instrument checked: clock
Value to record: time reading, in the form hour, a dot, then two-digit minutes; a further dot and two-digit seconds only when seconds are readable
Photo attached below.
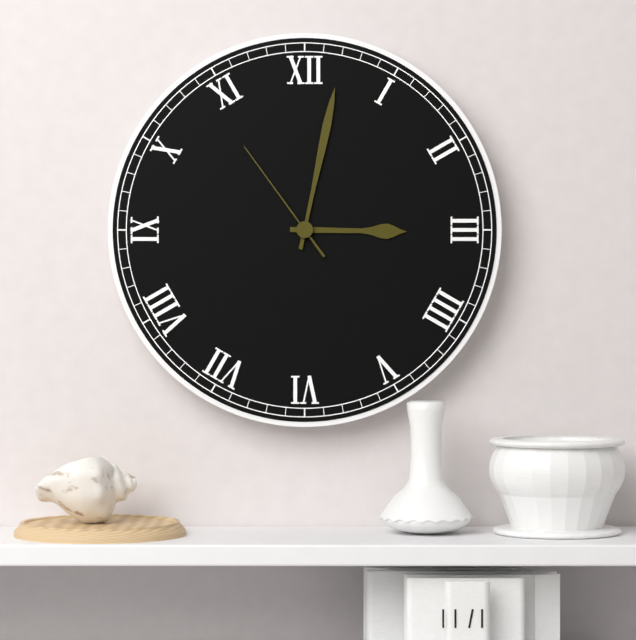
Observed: 3.02.54
